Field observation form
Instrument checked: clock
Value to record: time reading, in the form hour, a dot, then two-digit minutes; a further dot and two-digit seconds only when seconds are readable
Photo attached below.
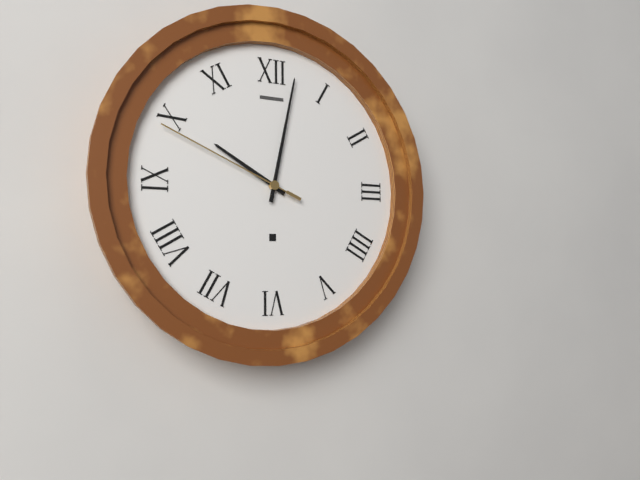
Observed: 10.02.49
